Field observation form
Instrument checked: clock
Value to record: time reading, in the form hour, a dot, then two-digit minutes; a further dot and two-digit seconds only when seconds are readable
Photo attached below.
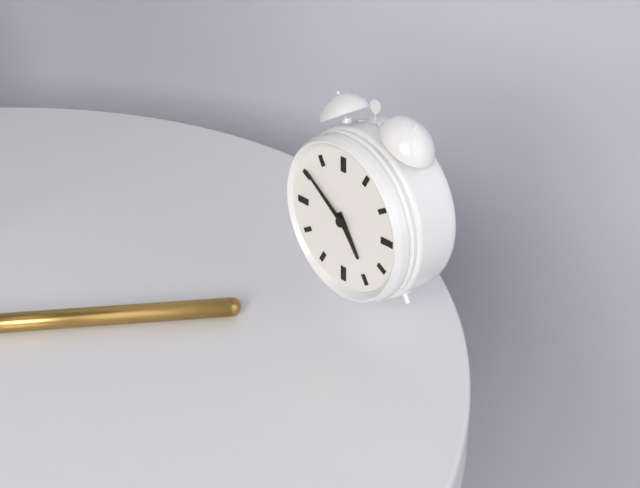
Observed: 4.51
